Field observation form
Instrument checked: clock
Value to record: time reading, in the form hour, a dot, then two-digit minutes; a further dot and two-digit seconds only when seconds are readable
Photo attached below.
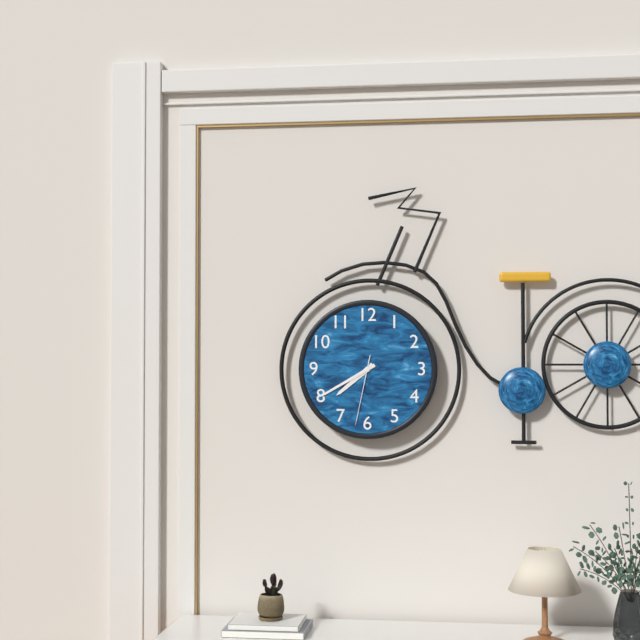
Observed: 7.40.32
